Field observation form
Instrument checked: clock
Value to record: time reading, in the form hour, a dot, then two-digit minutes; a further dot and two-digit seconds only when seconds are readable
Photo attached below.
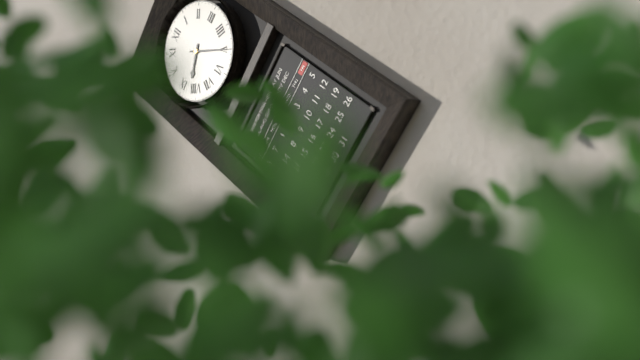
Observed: 8.25
